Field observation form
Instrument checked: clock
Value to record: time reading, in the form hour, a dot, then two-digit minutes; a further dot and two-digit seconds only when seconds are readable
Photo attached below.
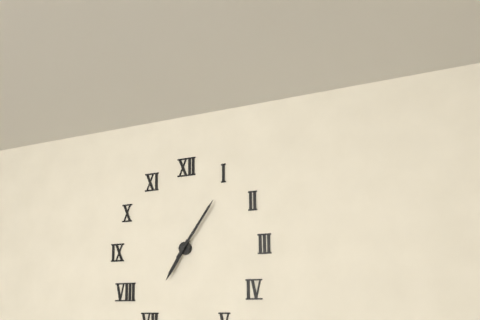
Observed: 7.06
